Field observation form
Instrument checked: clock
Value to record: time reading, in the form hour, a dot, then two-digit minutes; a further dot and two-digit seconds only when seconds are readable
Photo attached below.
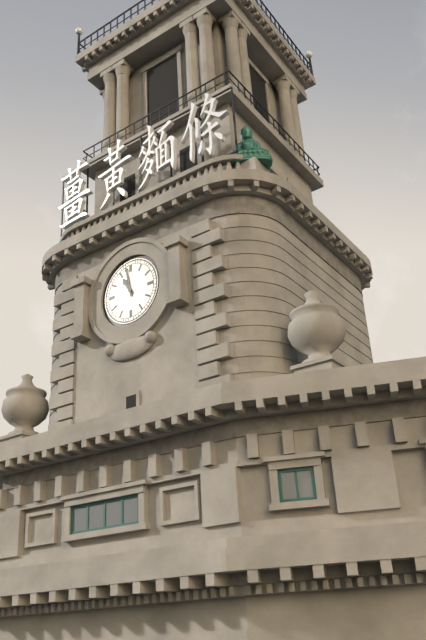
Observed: 10.58
